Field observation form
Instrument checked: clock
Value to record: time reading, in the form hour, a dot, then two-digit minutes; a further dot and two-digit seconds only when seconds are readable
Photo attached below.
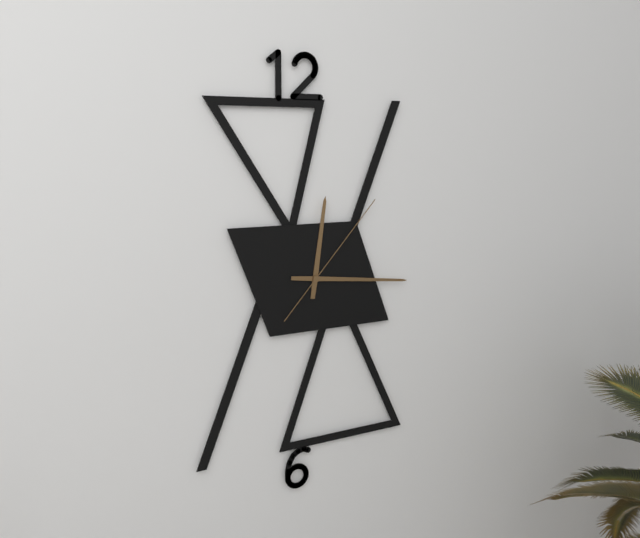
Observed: 12.16.07
